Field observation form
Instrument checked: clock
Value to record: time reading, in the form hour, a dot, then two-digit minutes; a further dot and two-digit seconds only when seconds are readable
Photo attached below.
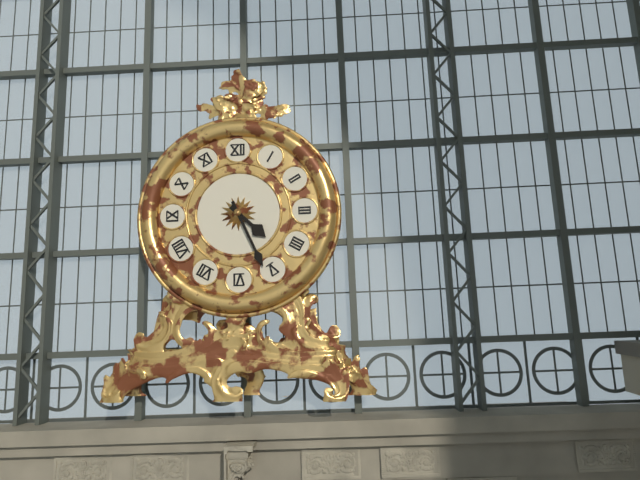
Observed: 4.26
